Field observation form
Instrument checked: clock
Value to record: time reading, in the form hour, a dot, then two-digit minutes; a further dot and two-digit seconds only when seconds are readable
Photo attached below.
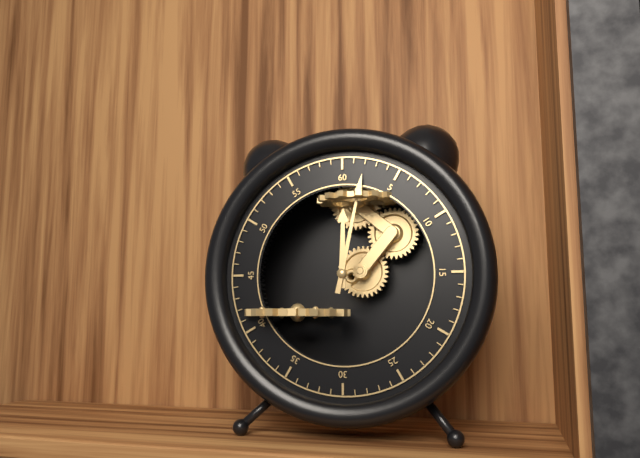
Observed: 12.02
